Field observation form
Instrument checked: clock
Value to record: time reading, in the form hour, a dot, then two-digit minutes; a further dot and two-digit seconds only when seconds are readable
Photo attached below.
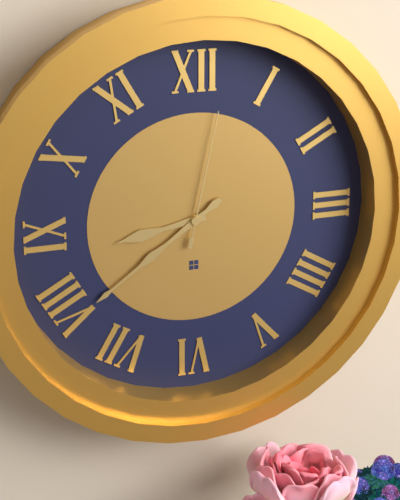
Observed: 8.39.02
